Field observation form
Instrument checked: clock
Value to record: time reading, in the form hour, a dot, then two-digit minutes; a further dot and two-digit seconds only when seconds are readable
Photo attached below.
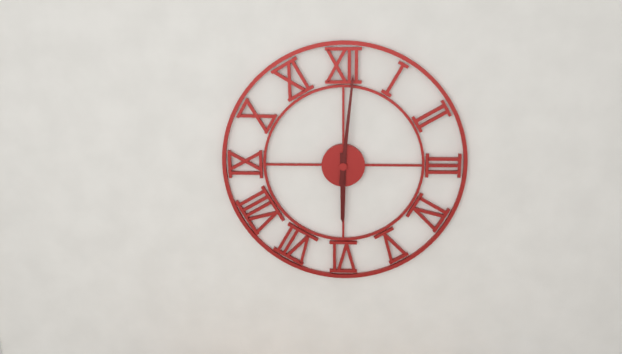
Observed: 6.01
